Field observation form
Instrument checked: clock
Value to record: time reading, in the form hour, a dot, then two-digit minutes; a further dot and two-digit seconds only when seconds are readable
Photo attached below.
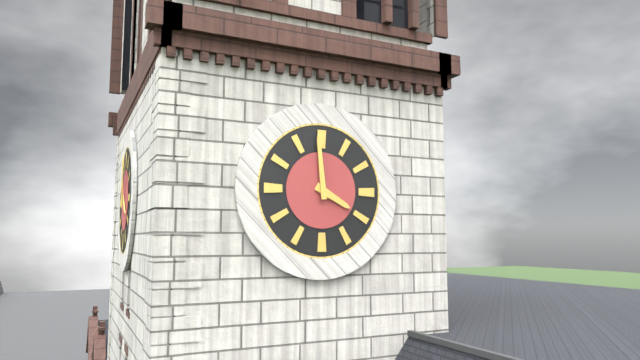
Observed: 3.59
